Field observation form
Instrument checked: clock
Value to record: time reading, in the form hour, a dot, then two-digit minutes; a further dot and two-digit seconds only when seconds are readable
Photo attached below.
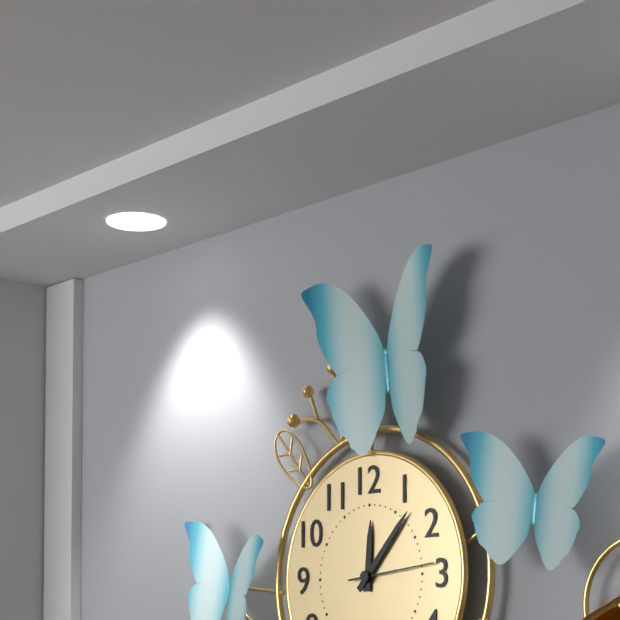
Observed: 12.07.14
